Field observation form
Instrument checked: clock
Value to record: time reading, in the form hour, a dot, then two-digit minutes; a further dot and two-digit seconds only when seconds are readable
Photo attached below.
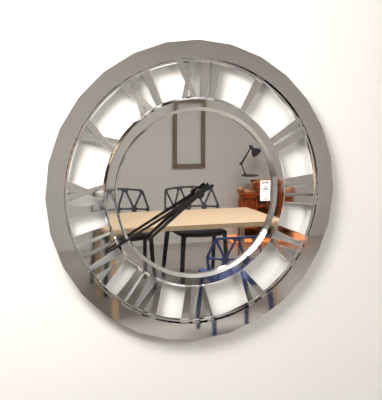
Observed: 7.40
